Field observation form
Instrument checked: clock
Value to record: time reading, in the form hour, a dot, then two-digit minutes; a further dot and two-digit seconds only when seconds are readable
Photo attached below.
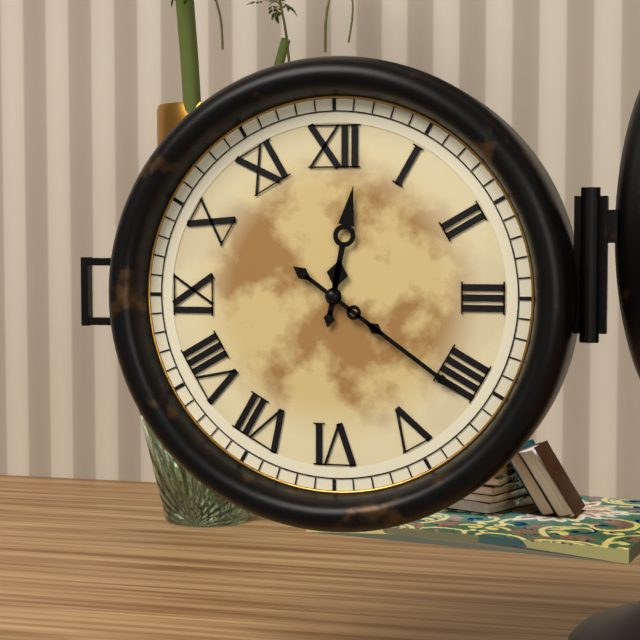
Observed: 12.21
